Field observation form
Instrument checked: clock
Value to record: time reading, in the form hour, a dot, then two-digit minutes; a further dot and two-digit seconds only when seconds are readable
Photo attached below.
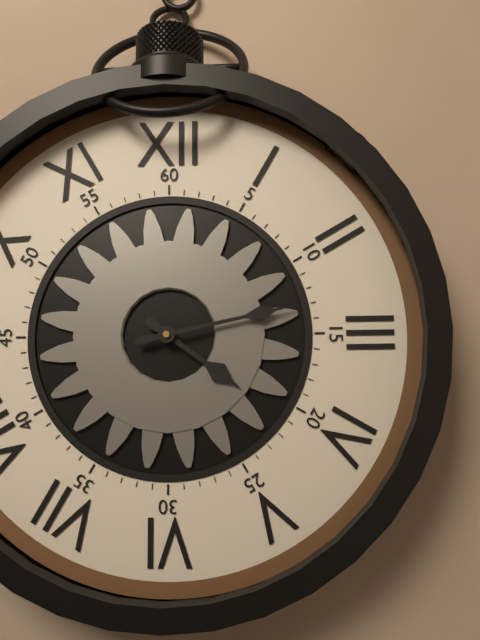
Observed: 4.13
